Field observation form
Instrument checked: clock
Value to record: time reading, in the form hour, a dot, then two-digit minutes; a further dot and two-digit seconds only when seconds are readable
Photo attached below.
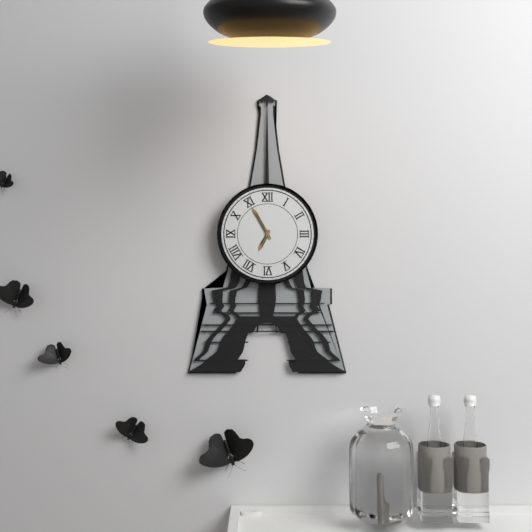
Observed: 6.55
